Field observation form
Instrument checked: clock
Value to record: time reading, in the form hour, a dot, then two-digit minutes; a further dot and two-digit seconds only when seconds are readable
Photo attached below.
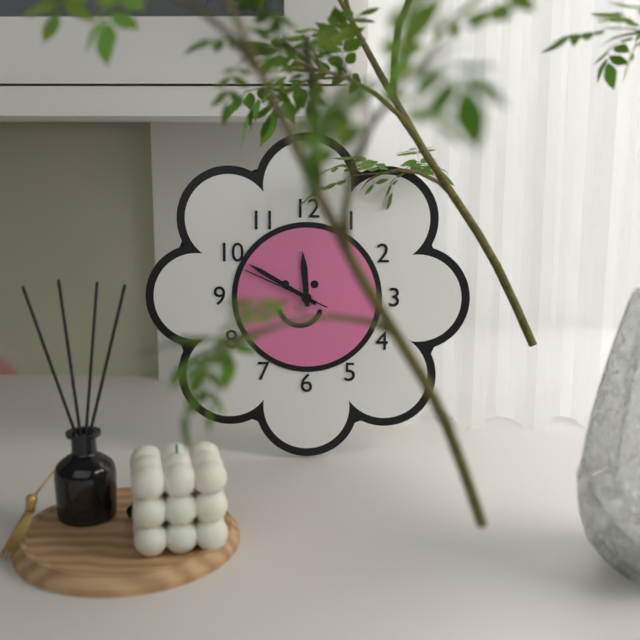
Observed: 11.50.49
